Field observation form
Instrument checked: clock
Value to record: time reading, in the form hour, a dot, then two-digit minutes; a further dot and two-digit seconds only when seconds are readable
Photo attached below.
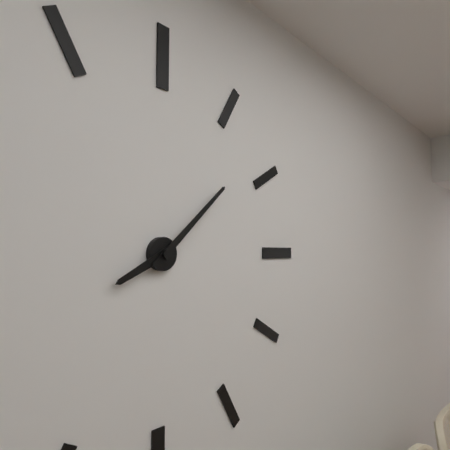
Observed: 8.08
